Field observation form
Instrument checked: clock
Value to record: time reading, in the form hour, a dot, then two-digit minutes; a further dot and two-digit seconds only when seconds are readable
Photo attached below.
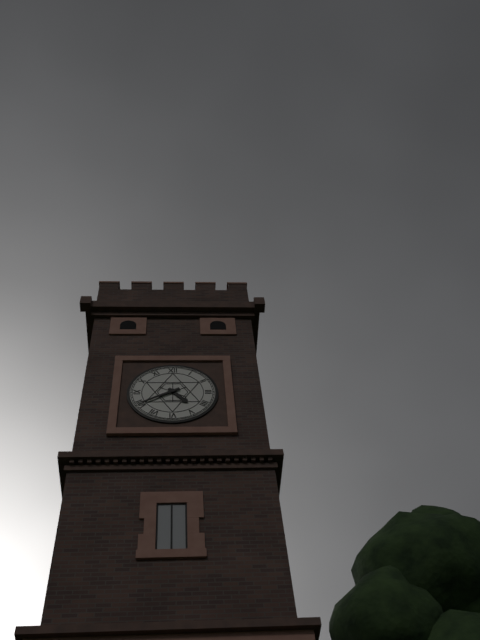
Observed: 4.40
